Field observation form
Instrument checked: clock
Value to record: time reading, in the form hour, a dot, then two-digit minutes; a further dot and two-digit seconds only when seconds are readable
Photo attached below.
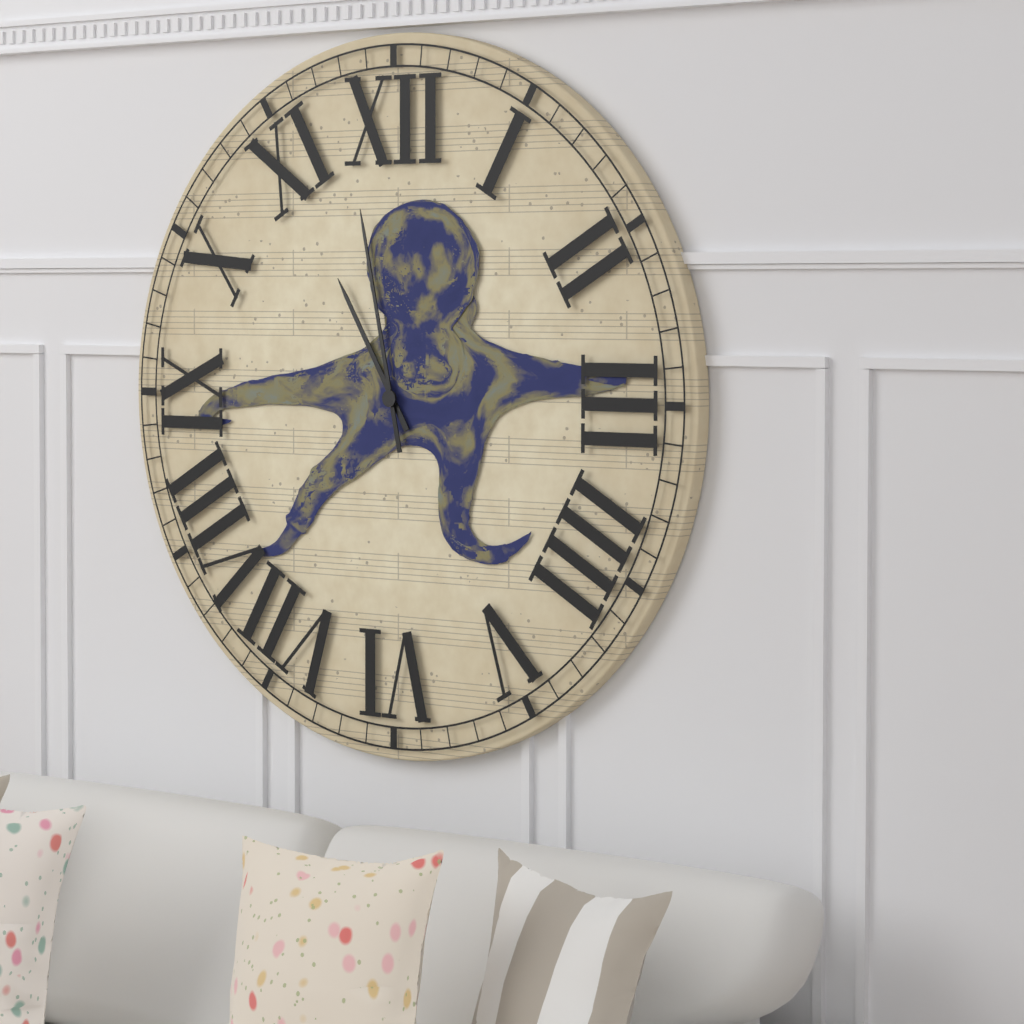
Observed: 10.58
